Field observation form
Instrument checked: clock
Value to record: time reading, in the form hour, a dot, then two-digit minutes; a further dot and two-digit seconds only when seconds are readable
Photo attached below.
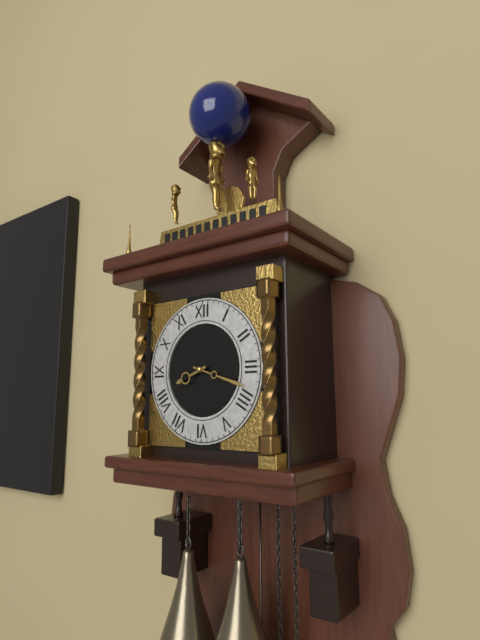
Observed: 8.18
